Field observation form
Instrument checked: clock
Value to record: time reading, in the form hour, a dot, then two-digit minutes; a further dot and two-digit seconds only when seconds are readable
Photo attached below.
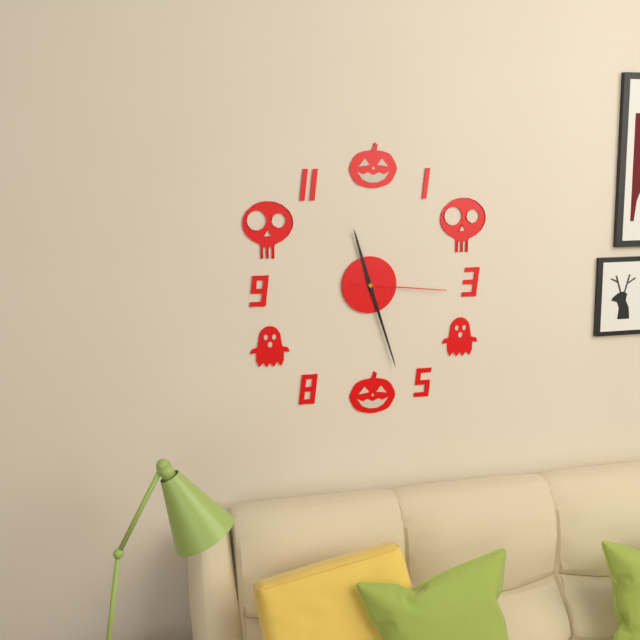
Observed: 11.27.16
